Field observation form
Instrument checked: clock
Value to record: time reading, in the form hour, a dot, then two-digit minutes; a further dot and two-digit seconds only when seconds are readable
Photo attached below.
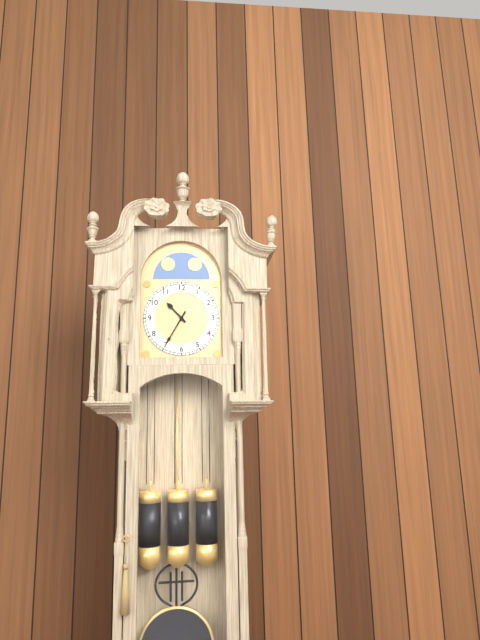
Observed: 10.35
